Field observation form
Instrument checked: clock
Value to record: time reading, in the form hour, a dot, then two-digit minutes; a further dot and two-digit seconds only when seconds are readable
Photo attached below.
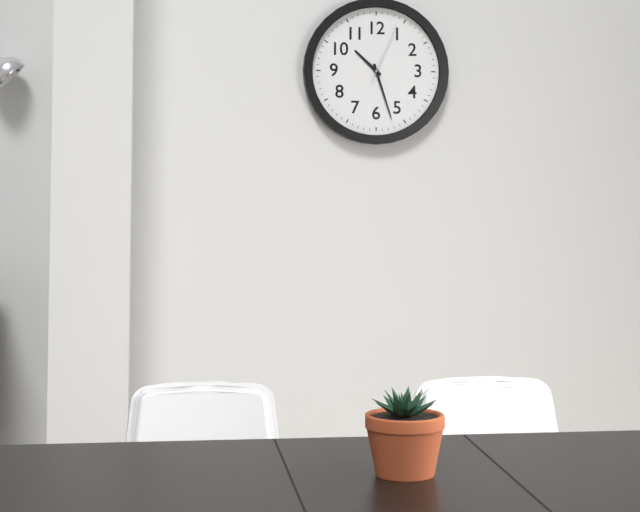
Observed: 10.27.04
